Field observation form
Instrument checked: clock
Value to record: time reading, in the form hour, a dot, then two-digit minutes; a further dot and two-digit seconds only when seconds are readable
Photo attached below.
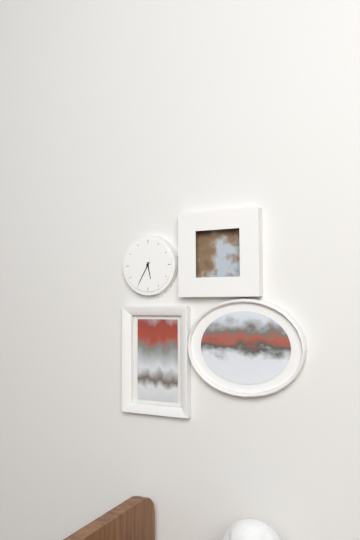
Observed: 5.35
